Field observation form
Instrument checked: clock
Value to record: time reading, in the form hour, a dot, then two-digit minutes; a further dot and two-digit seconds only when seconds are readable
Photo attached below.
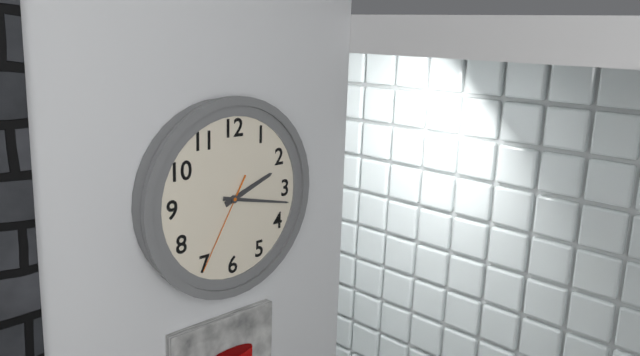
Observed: 2.17.35
